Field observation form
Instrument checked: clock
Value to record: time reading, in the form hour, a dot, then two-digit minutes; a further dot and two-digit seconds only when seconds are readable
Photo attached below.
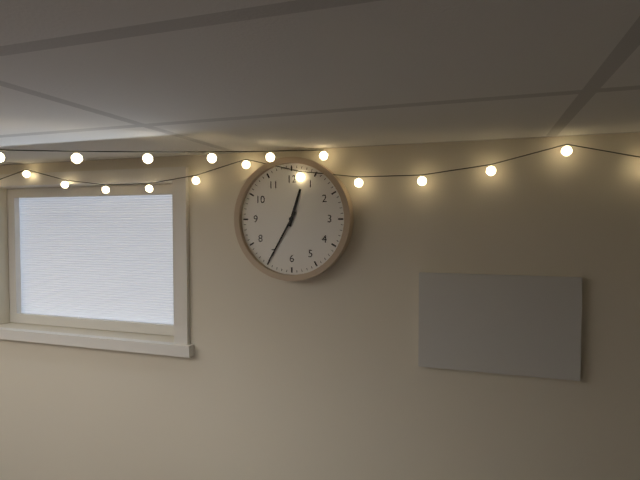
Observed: 12.35
